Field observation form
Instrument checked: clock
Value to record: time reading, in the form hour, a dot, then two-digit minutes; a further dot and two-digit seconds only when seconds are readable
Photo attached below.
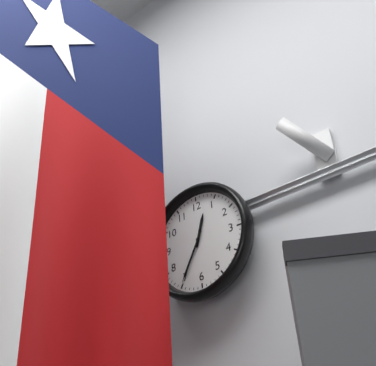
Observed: 12.35
